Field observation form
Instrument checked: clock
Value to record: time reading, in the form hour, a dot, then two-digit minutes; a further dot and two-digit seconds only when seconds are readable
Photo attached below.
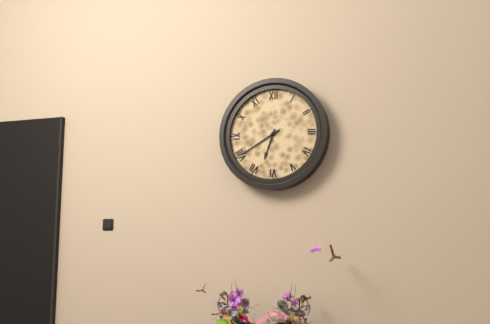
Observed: 6.40
